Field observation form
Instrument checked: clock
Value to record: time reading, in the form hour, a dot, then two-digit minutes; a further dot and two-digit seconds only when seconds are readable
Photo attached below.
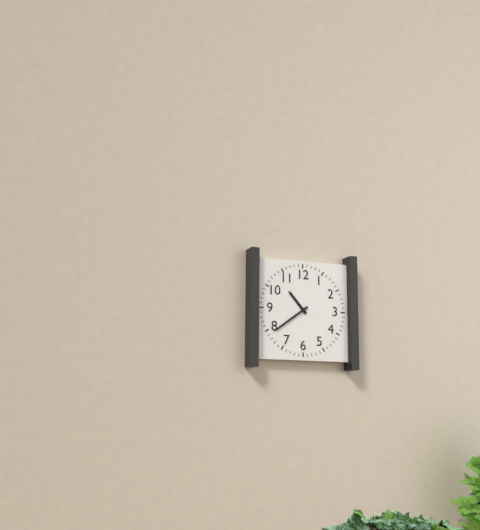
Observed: 10.39
